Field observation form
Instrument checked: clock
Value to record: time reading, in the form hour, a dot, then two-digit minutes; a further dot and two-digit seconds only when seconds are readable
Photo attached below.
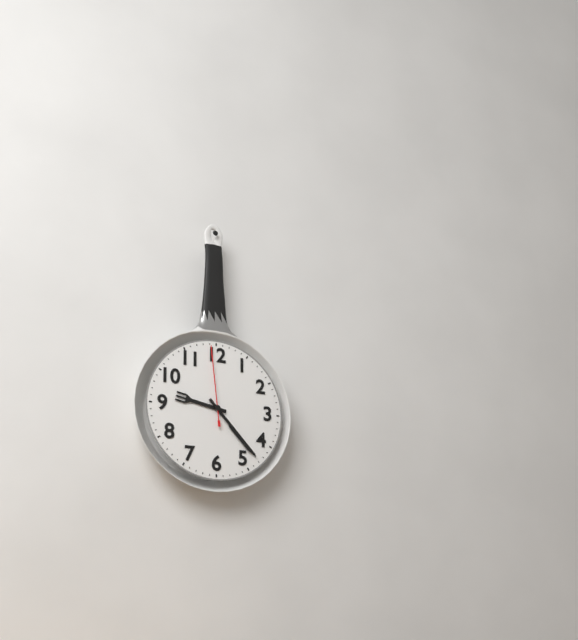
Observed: 9.23.59
